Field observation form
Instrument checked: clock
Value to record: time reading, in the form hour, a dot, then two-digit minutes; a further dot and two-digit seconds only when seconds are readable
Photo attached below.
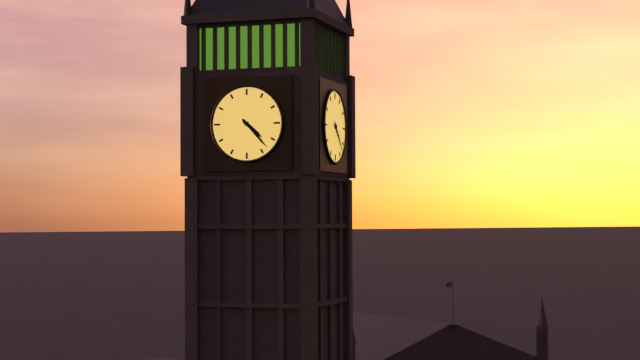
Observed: 4.23
